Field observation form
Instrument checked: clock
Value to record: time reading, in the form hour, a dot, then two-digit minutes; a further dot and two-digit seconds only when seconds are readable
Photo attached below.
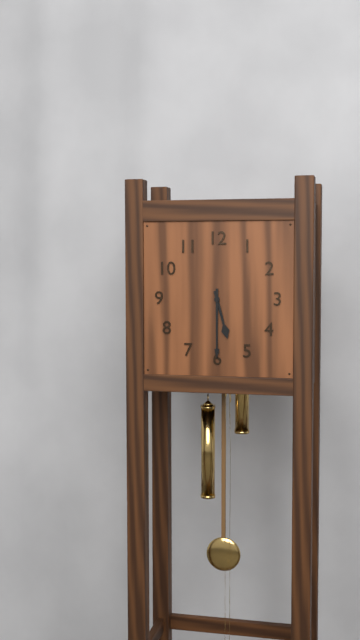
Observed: 5.30
